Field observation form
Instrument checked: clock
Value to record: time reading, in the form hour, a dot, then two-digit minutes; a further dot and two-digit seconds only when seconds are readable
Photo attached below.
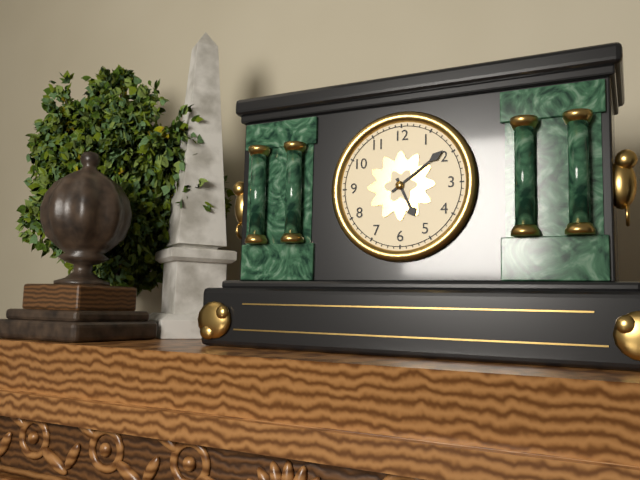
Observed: 5.09
